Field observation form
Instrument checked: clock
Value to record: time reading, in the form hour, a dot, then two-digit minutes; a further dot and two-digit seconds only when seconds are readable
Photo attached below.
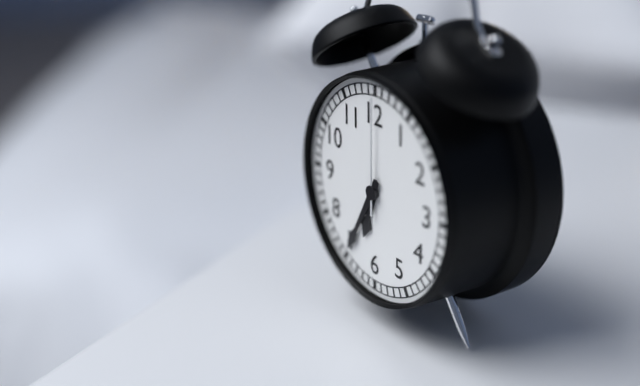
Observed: 6.35.00
